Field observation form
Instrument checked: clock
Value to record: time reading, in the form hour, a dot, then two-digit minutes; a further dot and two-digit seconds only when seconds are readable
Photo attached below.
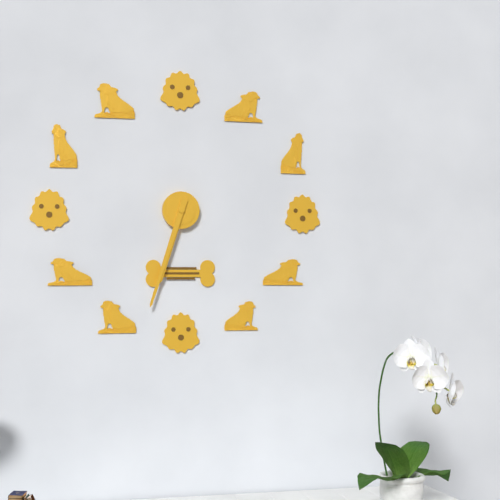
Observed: 6.33
